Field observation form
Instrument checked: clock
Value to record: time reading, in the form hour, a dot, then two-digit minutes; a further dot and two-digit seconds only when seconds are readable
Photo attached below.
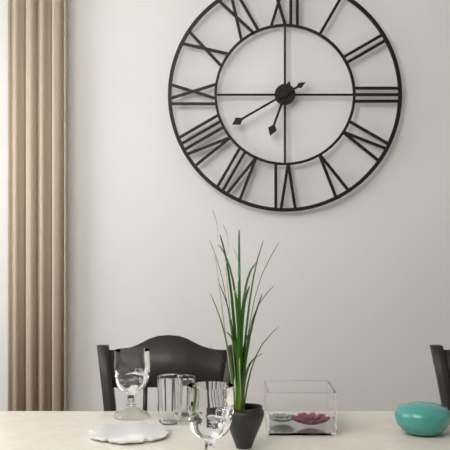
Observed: 6.40
